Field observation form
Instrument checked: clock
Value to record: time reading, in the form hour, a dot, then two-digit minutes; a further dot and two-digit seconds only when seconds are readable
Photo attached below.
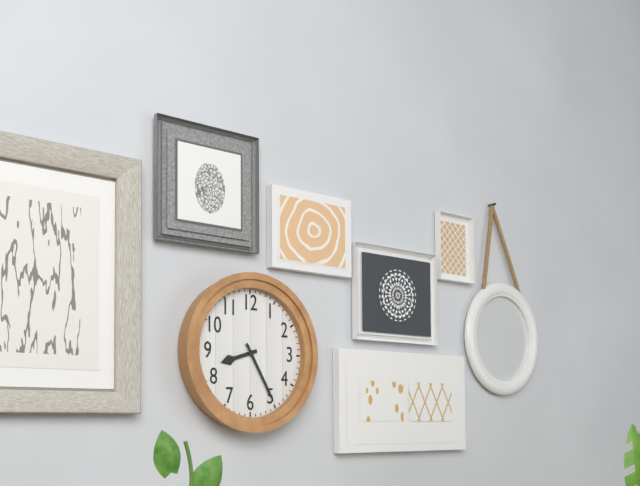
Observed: 8.25
